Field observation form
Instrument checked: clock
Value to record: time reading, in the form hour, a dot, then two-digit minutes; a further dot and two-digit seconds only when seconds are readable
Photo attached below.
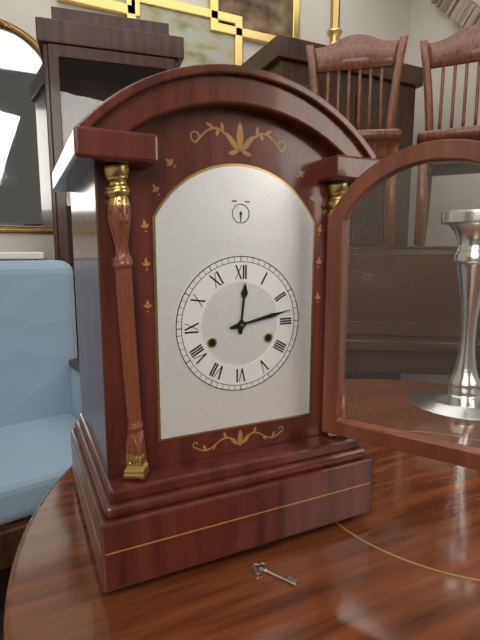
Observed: 12.13
